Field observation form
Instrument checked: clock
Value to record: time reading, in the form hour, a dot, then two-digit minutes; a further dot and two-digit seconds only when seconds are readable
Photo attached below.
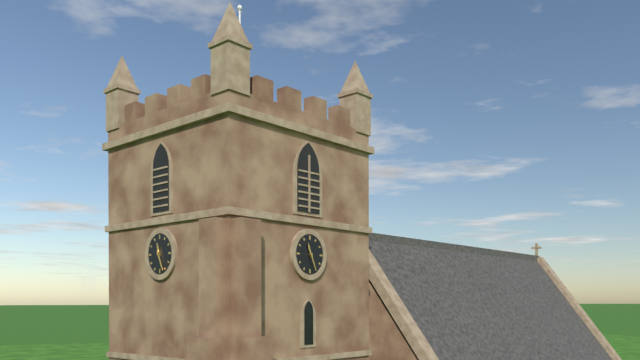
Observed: 11.26
